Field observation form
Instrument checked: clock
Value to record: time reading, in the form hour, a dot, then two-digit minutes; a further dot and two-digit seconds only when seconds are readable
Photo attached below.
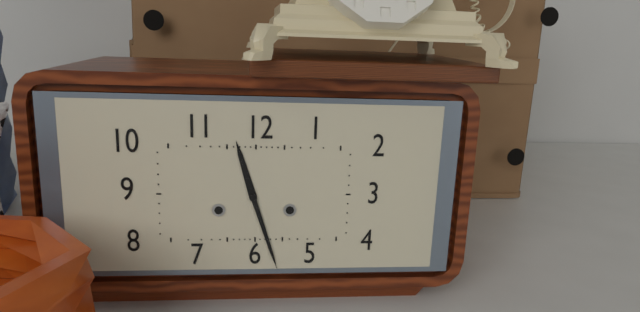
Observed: 11.27
